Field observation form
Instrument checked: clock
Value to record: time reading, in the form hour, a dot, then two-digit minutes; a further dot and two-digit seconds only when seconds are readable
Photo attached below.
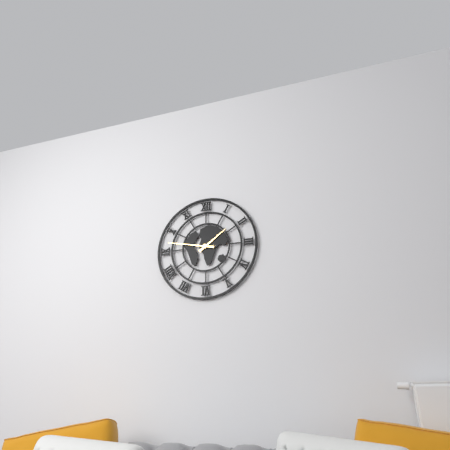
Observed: 1.47
